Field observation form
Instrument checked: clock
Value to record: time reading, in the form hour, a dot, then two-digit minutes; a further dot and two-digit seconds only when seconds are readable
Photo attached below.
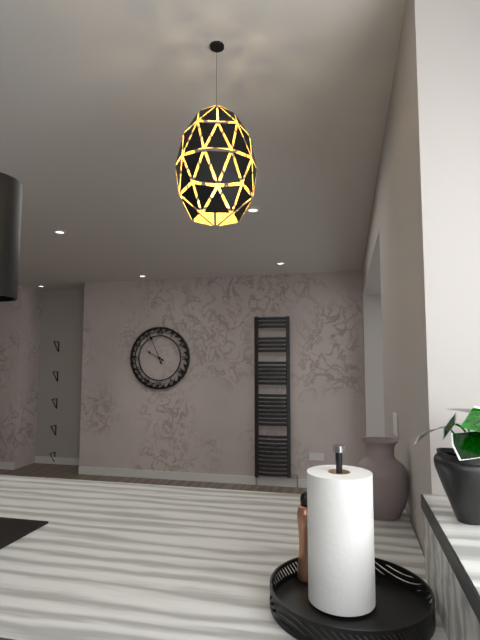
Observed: 9.56
